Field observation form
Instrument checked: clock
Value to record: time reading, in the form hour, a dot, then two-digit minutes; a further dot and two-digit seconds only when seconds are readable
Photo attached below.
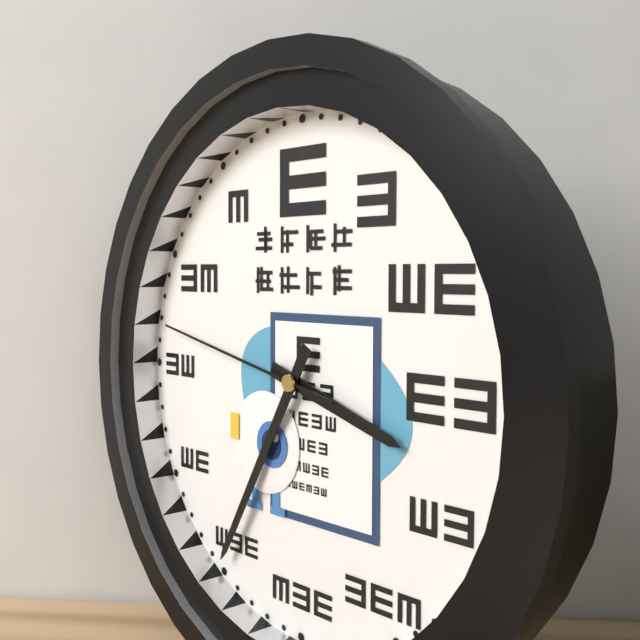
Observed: 3.35.47
